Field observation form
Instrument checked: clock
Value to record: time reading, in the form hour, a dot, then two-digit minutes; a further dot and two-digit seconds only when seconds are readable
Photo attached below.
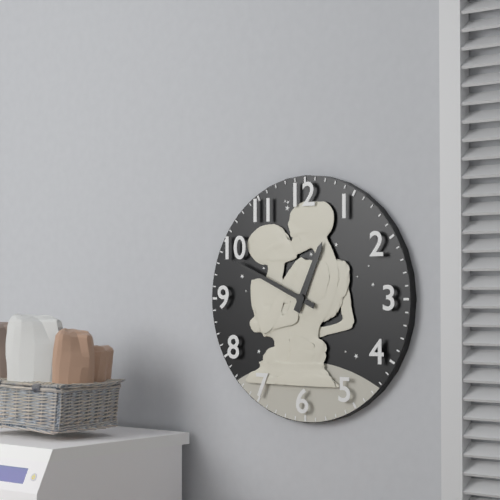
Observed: 12.49
